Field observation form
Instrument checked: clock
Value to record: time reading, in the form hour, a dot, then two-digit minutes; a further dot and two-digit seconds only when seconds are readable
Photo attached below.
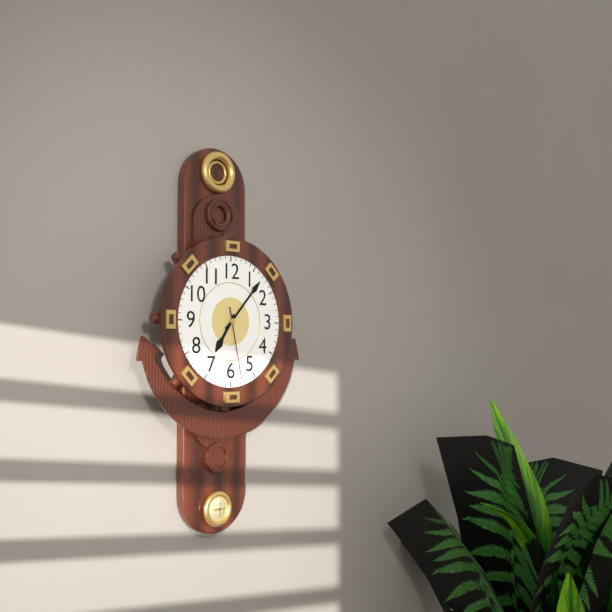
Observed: 7.07.28
